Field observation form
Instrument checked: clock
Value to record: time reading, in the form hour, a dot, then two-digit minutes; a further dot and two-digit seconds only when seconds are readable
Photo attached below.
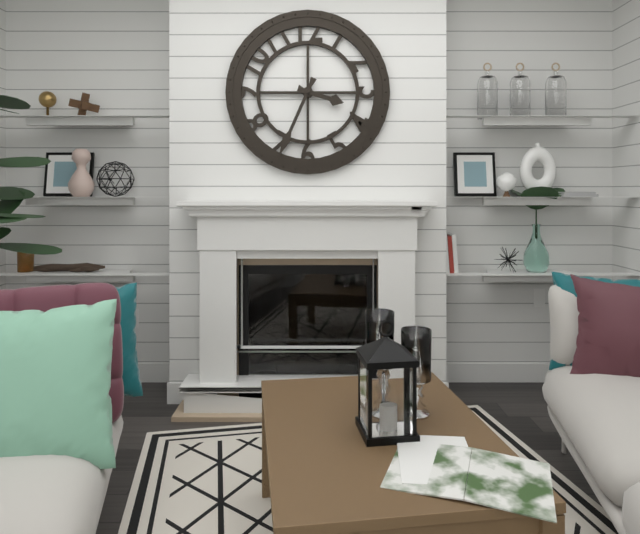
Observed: 3.34
